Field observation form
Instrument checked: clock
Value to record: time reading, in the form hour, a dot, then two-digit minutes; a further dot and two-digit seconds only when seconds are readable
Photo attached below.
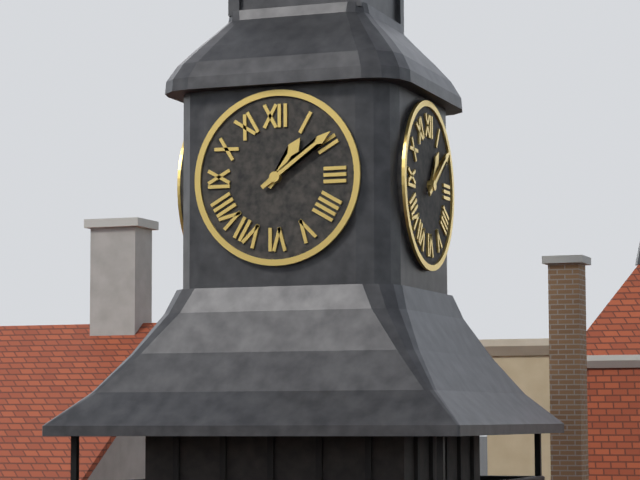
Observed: 1.09
